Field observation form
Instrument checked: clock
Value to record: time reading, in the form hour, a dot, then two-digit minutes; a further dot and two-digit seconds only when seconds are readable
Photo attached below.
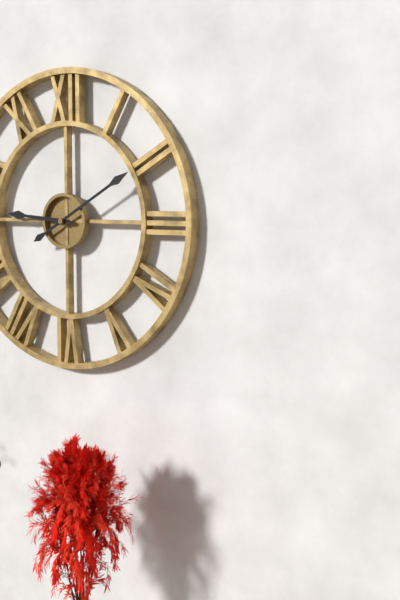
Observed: 9.10
